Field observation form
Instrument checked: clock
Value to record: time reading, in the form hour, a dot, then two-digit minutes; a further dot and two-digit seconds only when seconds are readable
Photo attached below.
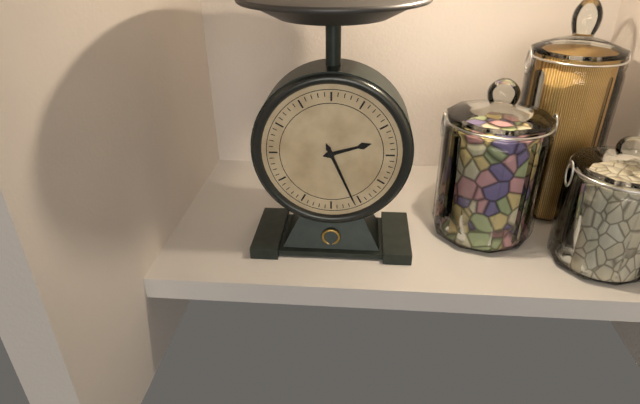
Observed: 2.26
